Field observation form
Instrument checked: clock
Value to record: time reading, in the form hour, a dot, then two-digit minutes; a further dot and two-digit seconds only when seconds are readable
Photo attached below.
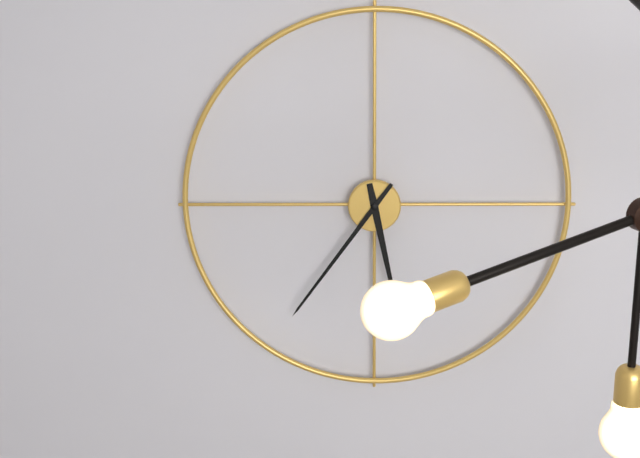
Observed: 5.36
